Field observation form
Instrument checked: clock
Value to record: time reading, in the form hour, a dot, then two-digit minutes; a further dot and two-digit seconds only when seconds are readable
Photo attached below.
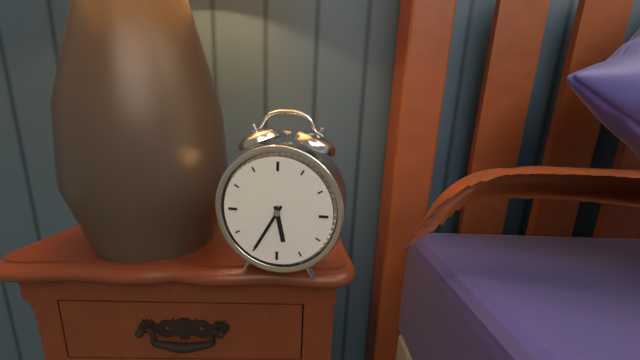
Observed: 5.35
